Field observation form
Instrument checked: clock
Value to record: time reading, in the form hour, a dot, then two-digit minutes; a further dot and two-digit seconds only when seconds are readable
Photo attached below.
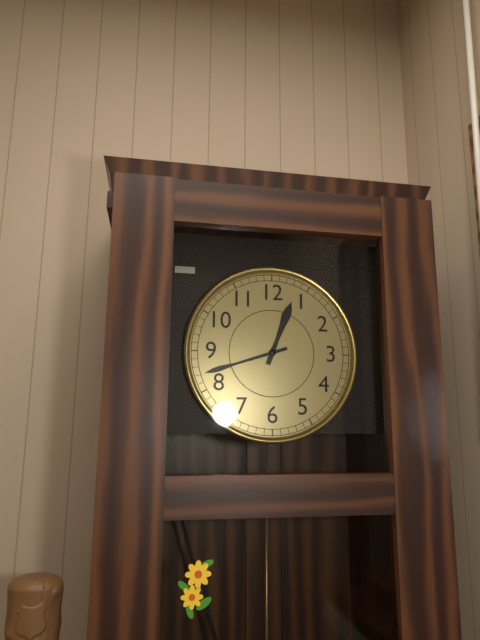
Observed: 12.42
